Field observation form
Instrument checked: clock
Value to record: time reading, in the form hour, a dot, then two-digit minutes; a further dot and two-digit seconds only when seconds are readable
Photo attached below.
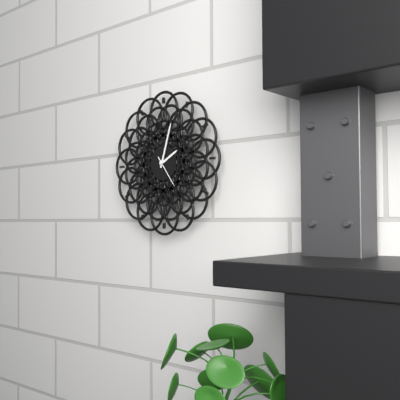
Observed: 2.03
